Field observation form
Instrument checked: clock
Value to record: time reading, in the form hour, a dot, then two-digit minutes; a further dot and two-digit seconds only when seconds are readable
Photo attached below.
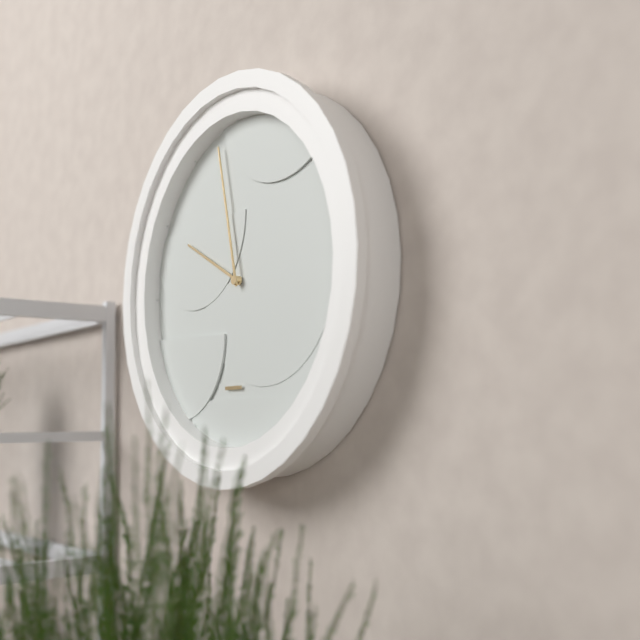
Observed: 9.58
